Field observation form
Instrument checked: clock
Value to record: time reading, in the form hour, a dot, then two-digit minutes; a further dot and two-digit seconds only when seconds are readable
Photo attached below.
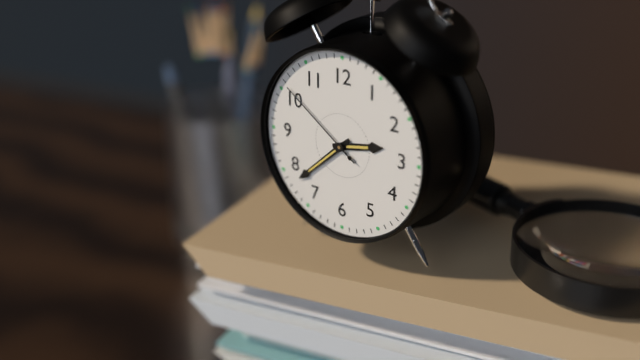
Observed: 2.38.51
